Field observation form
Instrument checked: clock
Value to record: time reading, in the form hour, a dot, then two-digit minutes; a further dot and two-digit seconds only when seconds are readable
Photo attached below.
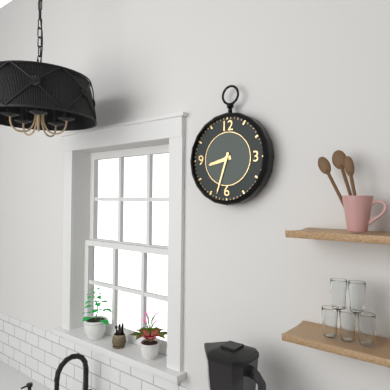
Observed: 8.33
